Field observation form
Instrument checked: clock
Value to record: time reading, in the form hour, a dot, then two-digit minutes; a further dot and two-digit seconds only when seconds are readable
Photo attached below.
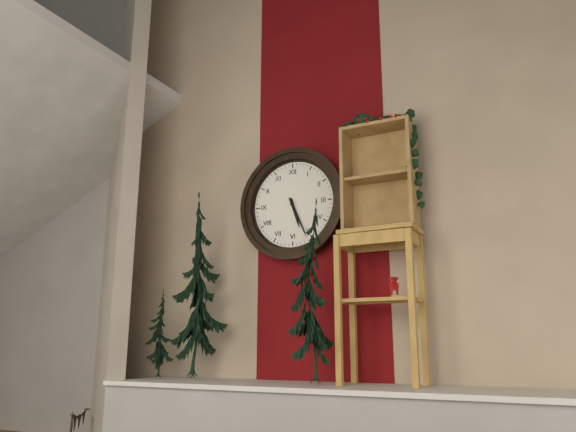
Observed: 5.26
